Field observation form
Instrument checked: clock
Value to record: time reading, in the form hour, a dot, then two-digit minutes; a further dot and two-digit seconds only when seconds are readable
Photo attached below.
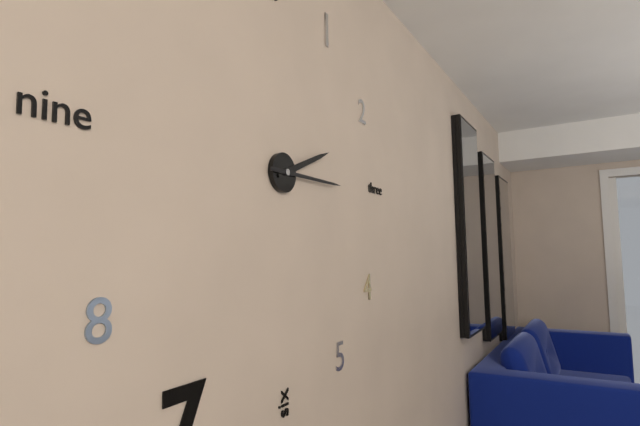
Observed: 2.15
